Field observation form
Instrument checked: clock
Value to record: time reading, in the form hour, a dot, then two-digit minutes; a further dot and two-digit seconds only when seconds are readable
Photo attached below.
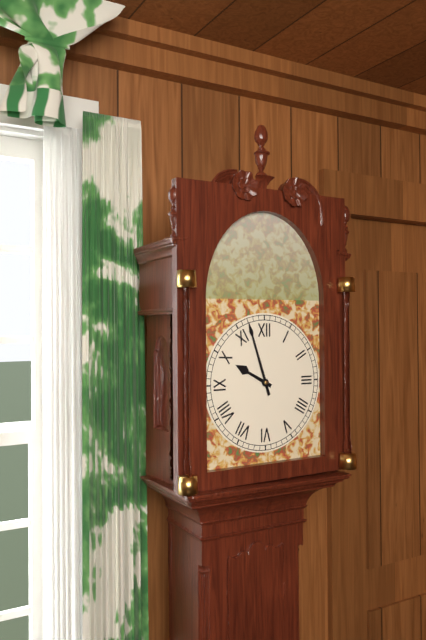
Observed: 9.57
